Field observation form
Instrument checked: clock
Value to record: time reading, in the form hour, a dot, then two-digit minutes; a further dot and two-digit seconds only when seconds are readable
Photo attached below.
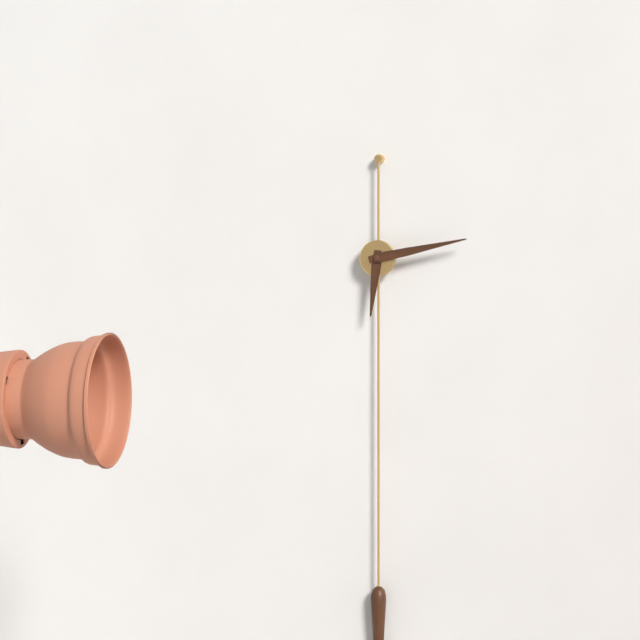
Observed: 6.13
